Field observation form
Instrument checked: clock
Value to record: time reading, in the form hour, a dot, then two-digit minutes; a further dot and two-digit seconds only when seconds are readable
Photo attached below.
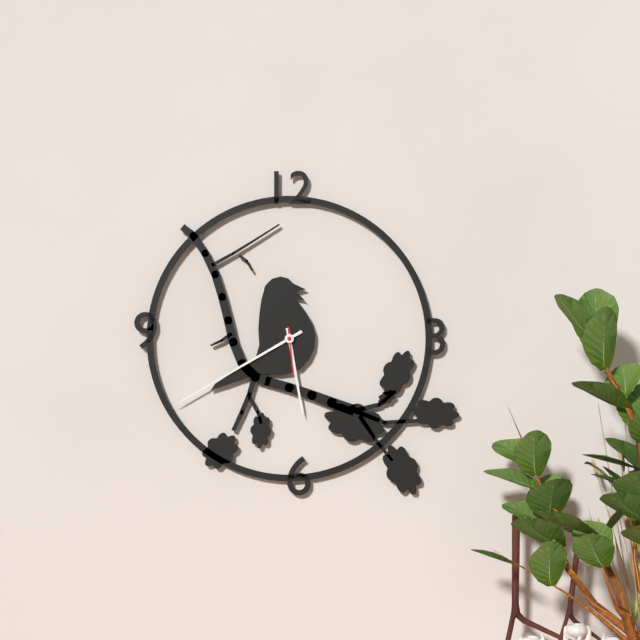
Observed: 5.40.29
